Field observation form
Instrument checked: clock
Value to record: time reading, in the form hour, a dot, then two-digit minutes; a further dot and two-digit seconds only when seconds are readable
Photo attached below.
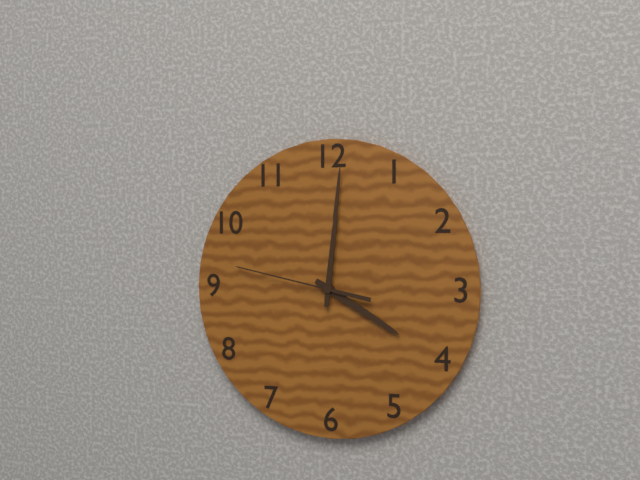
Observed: 4.01.47
